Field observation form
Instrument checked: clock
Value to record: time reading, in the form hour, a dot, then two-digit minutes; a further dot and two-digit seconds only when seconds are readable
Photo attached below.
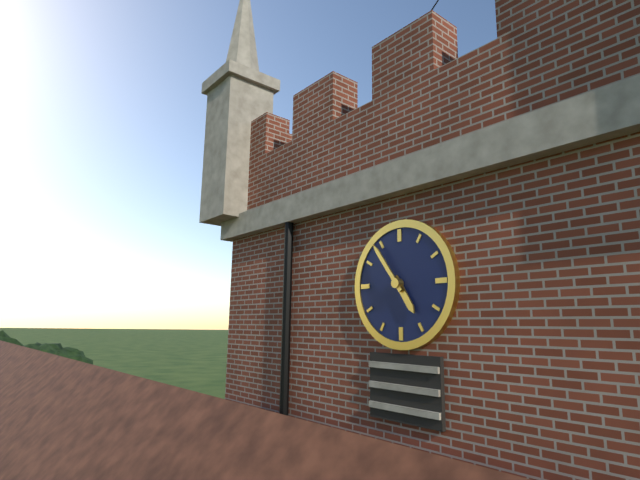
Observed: 4.54
